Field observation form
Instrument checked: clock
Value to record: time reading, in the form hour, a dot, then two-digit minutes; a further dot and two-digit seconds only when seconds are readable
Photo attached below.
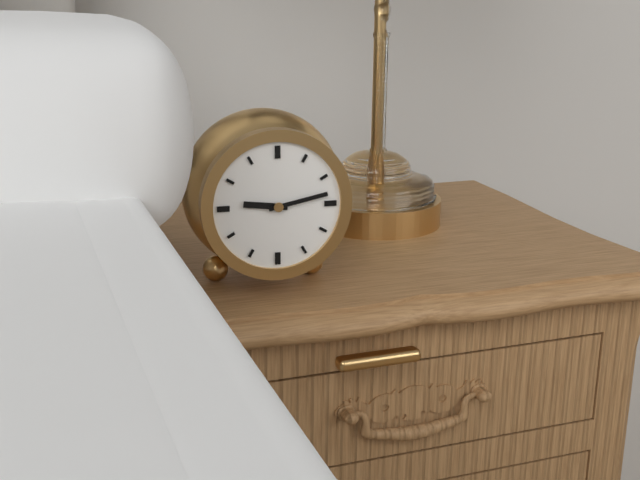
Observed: 9.13
